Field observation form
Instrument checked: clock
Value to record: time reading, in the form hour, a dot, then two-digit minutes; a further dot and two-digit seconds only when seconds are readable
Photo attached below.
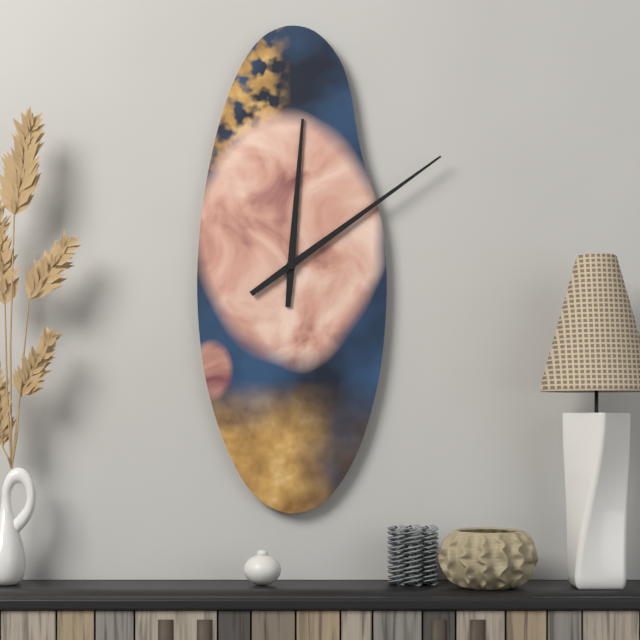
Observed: 12.09
